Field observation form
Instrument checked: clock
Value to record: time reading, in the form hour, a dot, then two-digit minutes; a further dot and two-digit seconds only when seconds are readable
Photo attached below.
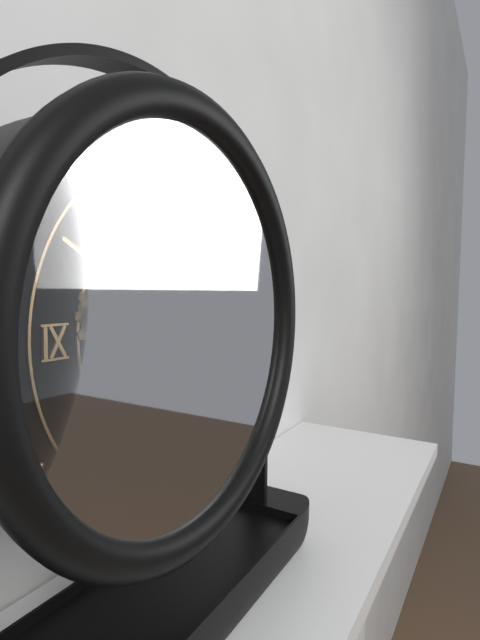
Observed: 11.57
